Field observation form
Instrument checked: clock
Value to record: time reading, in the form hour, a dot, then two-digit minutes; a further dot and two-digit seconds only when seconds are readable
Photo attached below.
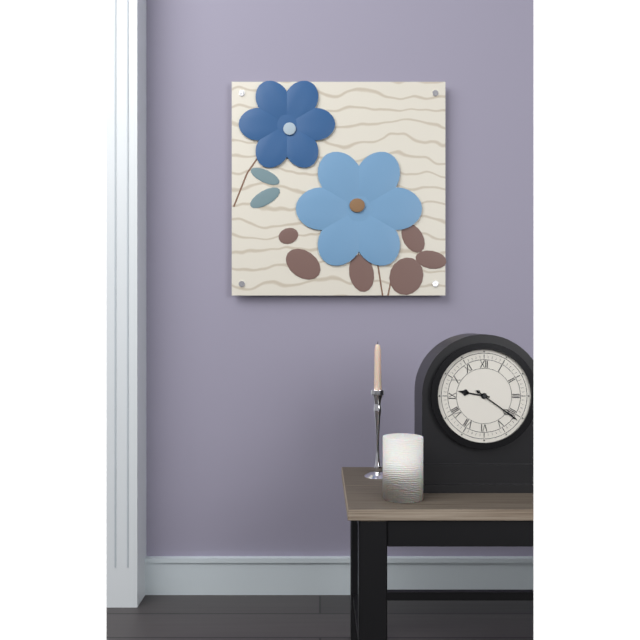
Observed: 9.21
